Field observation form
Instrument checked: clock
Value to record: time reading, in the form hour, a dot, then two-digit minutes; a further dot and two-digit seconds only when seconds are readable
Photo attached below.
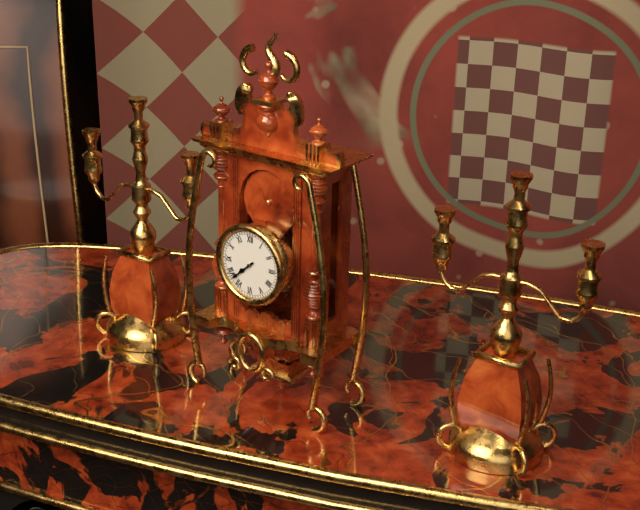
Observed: 7.38
